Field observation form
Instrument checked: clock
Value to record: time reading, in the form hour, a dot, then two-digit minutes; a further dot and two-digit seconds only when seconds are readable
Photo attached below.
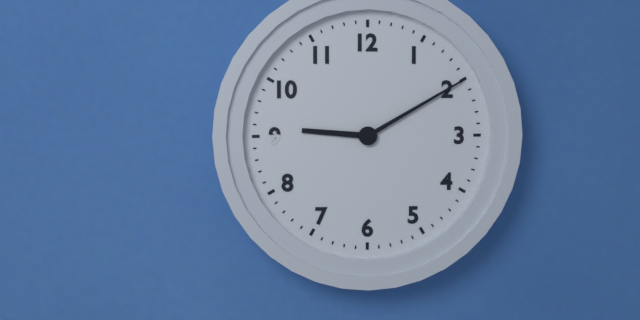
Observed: 9.10
